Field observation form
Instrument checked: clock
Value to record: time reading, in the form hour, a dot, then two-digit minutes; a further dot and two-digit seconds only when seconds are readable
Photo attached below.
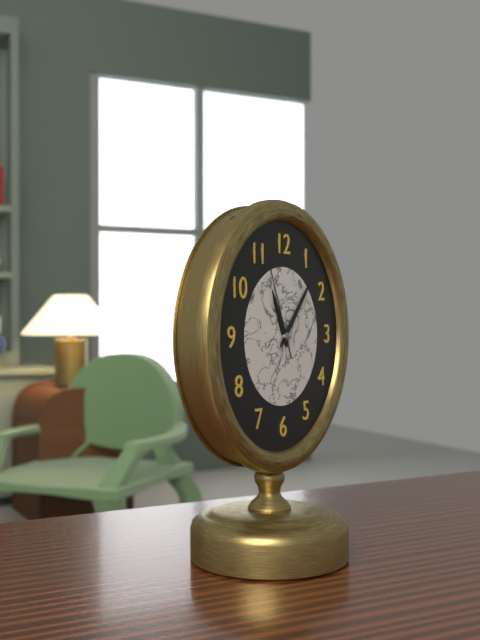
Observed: 11.07.56
